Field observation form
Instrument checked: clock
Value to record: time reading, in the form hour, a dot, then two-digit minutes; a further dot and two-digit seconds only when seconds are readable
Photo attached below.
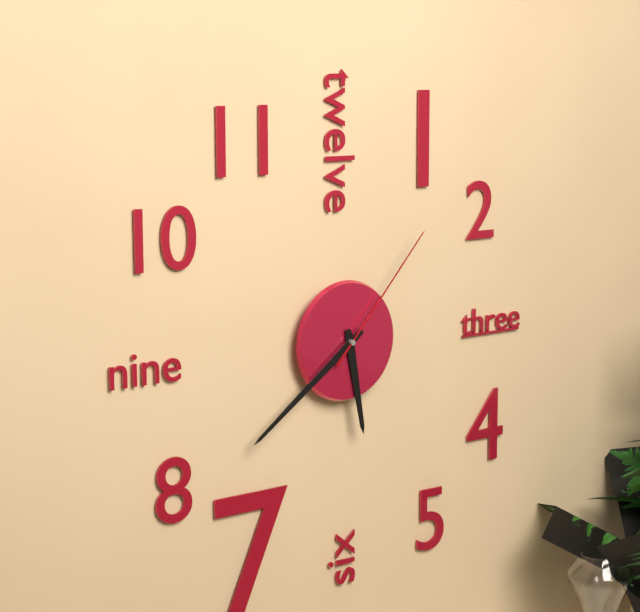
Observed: 5.39.07
